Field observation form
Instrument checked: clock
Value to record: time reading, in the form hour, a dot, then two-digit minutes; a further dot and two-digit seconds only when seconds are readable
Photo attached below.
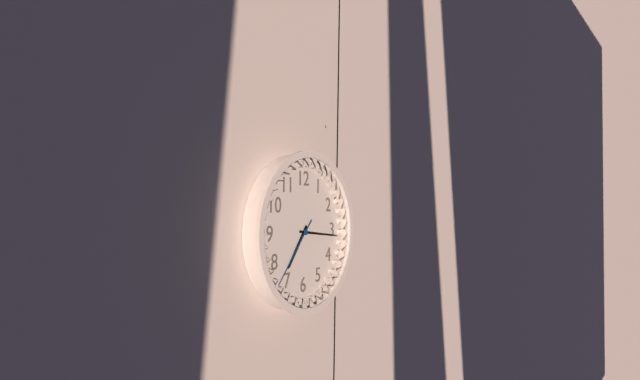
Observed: 7.16.37
